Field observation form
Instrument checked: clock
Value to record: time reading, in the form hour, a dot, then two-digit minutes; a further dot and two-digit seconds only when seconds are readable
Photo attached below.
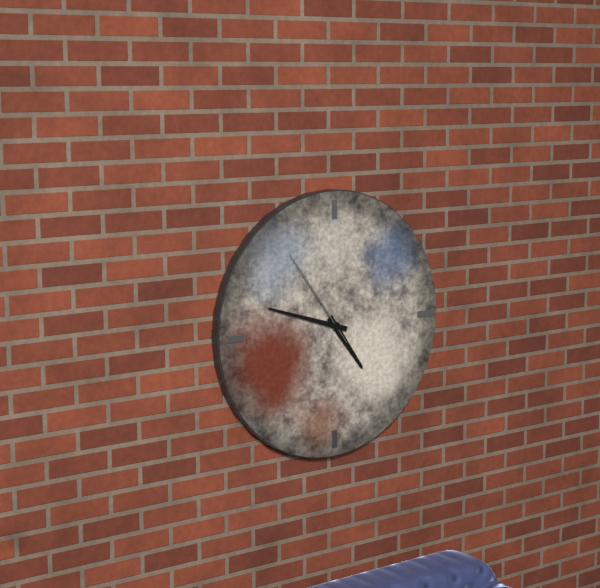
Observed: 4.48.54
